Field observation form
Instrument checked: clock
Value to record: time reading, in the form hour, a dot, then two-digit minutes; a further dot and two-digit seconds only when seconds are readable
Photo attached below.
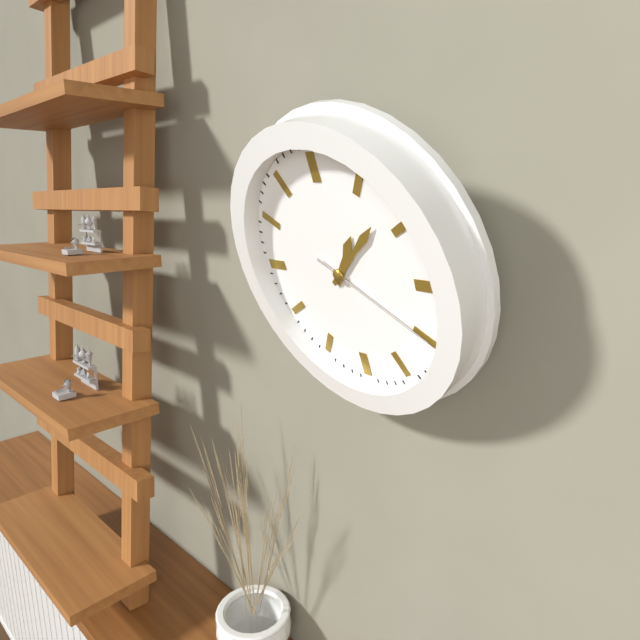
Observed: 1.08.20
